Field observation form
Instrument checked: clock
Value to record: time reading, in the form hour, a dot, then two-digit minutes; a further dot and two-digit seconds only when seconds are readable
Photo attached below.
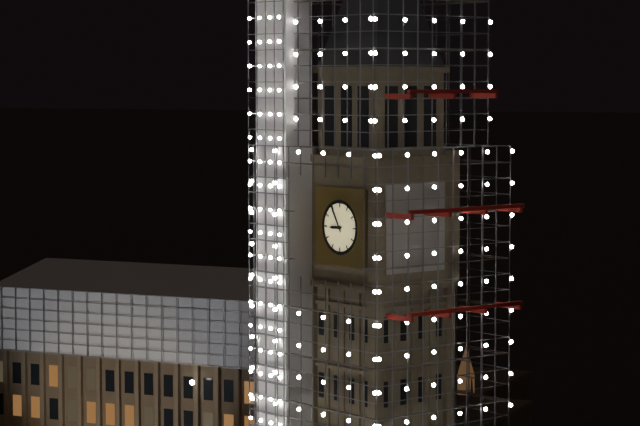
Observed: 8.55
